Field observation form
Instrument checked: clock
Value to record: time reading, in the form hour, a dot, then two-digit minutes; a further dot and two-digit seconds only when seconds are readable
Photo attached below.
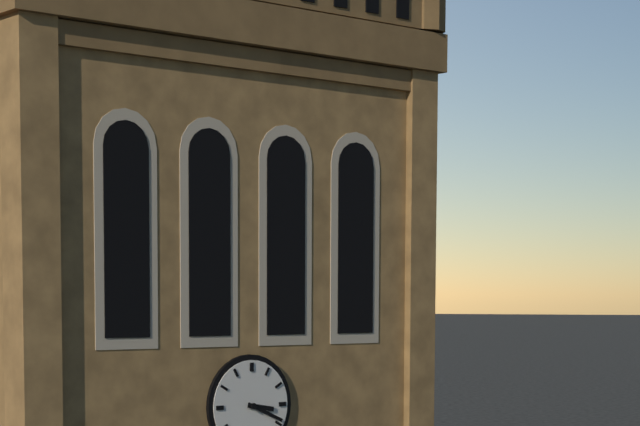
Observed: 3.19
